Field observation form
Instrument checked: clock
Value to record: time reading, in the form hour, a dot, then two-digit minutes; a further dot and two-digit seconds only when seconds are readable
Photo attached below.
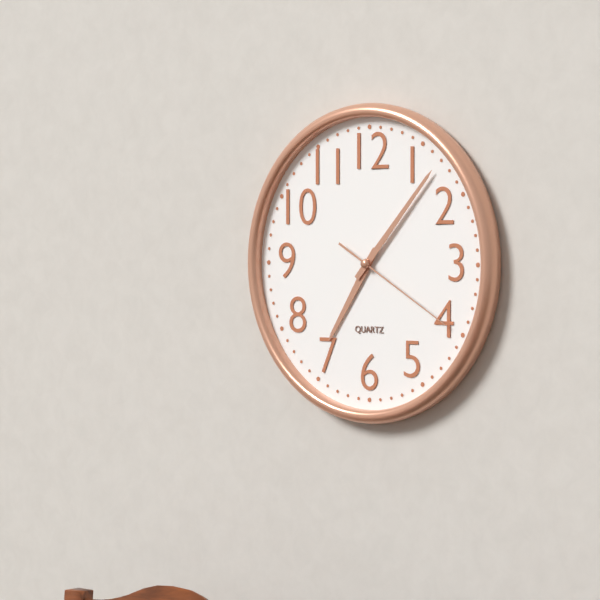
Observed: 7.07.20
